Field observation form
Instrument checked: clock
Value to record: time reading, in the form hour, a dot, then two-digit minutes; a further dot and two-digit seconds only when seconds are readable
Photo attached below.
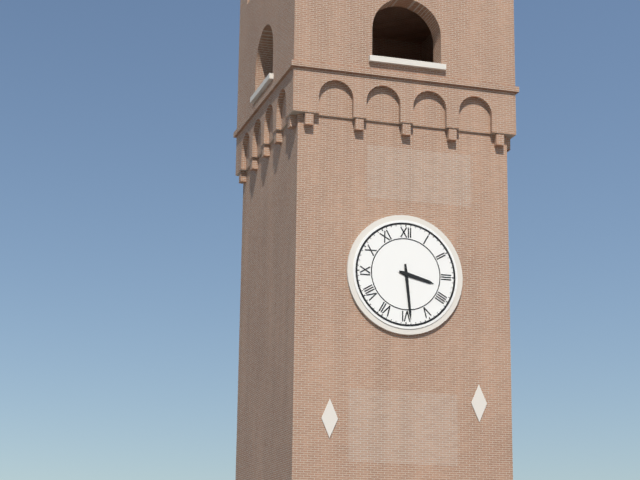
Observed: 3.29
